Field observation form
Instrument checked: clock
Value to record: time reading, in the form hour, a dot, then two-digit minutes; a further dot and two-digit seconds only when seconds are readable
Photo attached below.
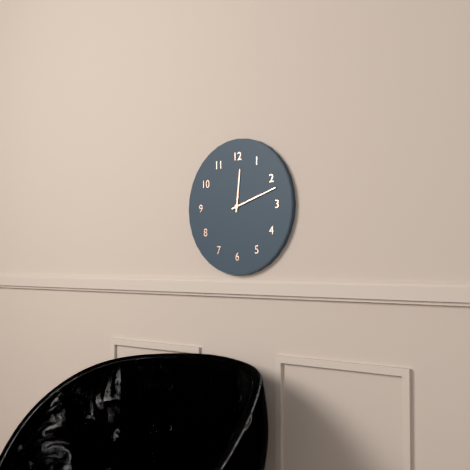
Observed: 12.12
